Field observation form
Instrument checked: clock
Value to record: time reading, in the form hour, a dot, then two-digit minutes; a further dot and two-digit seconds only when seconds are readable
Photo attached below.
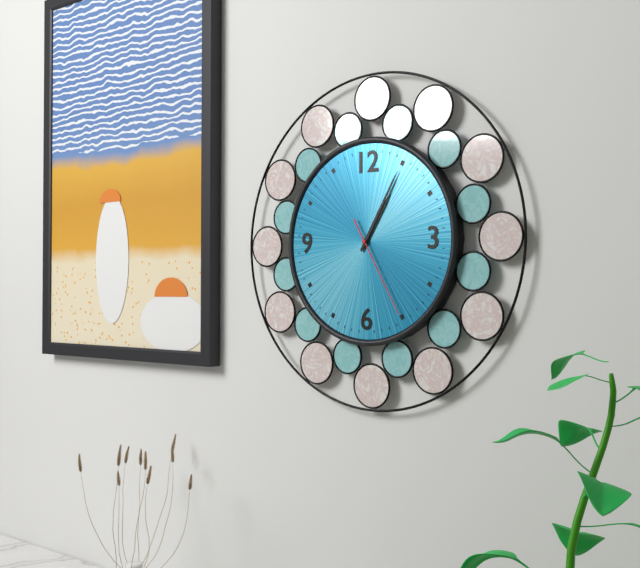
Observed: 1.05.25
